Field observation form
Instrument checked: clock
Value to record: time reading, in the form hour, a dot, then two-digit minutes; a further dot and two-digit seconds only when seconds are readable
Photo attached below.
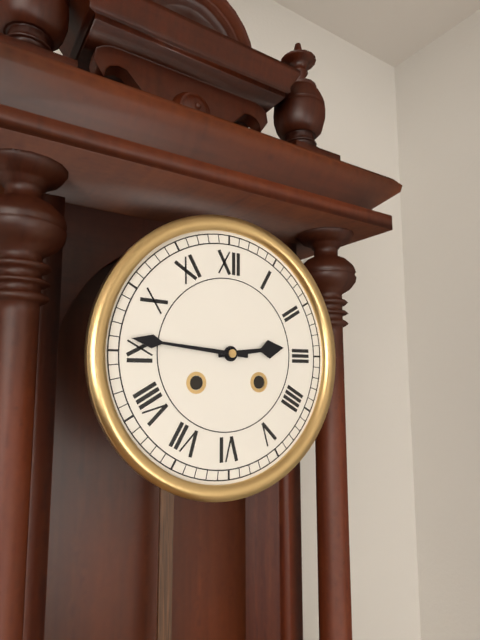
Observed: 2.46
